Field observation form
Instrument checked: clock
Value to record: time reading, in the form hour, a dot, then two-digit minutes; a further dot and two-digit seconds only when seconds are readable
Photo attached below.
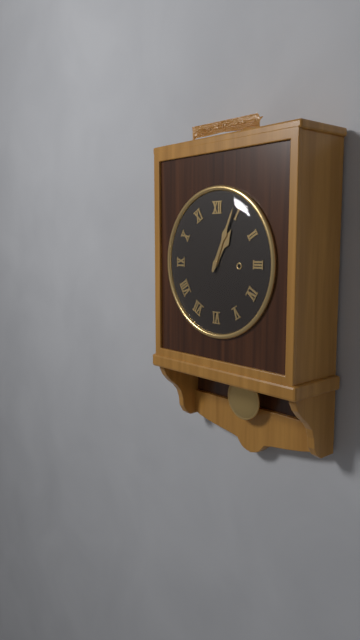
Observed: 1.04
